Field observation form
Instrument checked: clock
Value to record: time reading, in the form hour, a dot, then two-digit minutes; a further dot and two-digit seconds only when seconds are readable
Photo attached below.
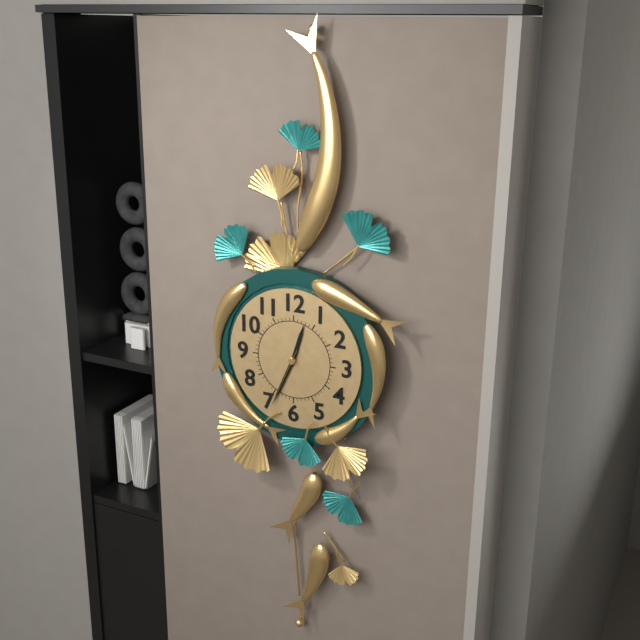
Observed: 12.34.34
